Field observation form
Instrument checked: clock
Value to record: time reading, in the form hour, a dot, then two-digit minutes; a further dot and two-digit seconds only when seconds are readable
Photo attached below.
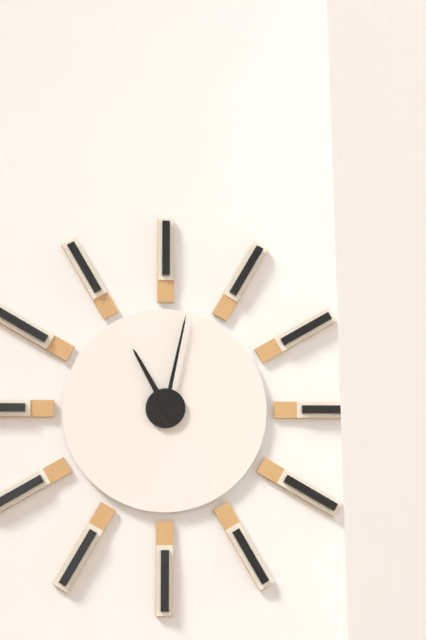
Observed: 11.02
